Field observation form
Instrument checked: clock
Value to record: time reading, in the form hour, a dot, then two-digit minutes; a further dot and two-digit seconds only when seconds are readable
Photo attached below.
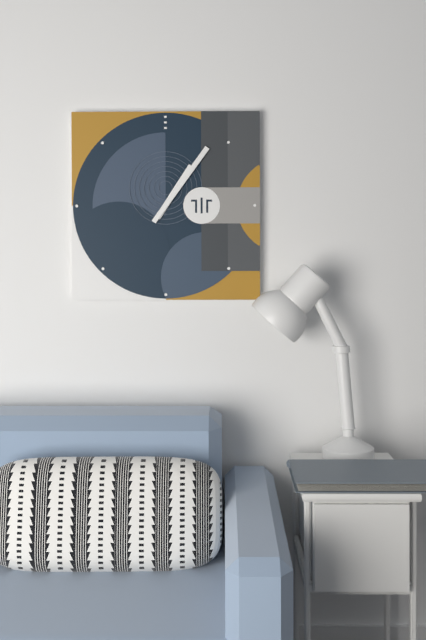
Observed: 1.06
